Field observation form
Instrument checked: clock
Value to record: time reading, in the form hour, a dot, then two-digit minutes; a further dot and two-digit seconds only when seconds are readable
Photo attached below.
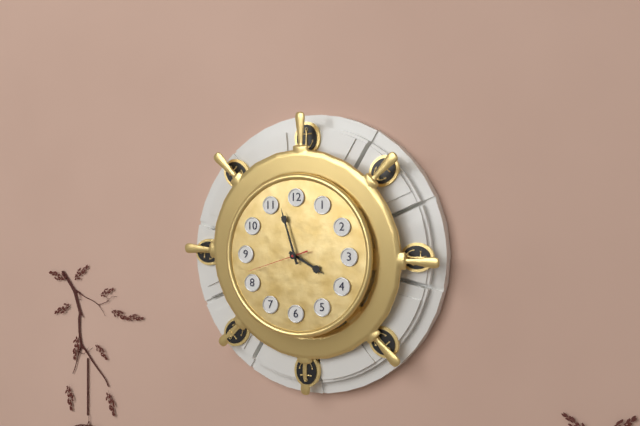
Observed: 3.57.42
